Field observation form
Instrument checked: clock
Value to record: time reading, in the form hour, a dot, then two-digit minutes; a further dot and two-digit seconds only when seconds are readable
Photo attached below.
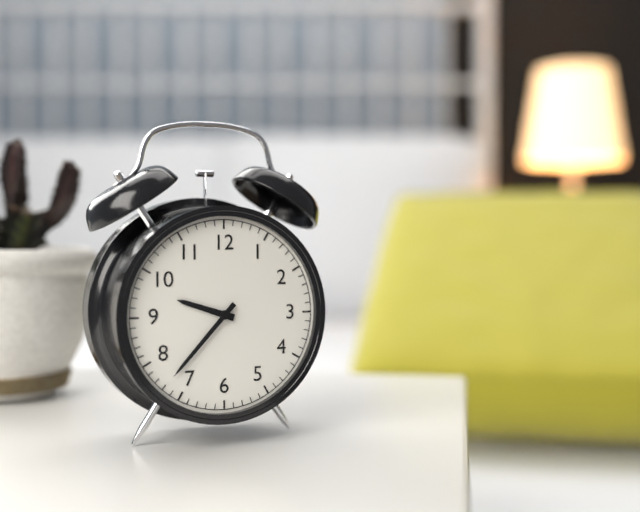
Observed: 9.37
